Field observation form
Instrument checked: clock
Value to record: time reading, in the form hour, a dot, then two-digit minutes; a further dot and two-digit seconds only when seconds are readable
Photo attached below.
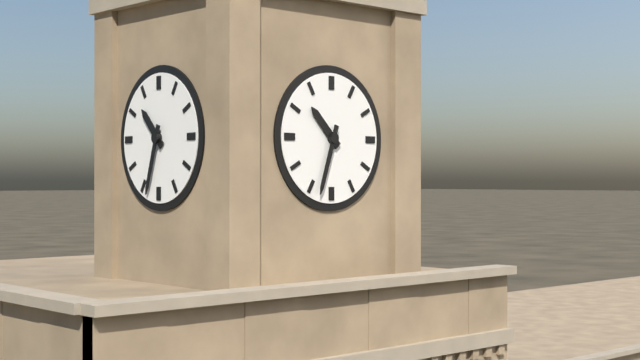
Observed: 10.33
